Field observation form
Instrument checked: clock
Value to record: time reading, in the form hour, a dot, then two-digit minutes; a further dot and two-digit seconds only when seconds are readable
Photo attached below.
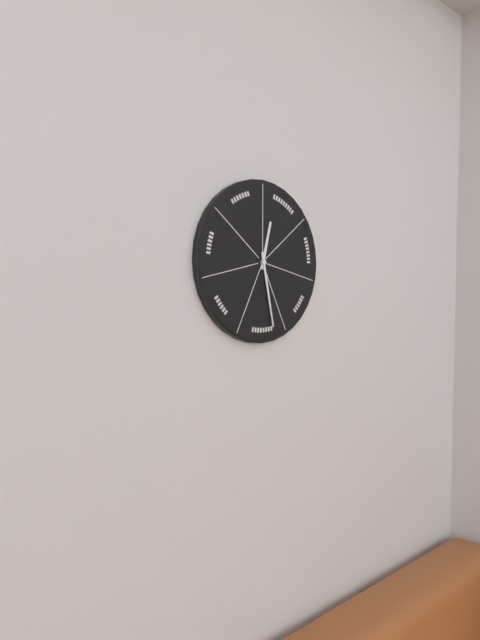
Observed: 12.28
